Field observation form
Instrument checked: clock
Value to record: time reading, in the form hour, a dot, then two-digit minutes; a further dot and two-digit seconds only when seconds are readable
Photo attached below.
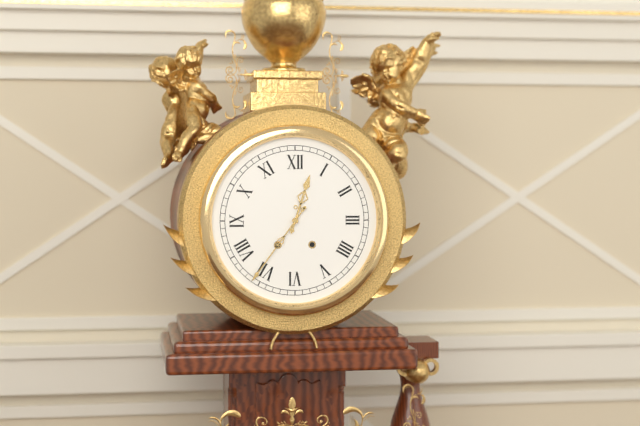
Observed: 12.36
